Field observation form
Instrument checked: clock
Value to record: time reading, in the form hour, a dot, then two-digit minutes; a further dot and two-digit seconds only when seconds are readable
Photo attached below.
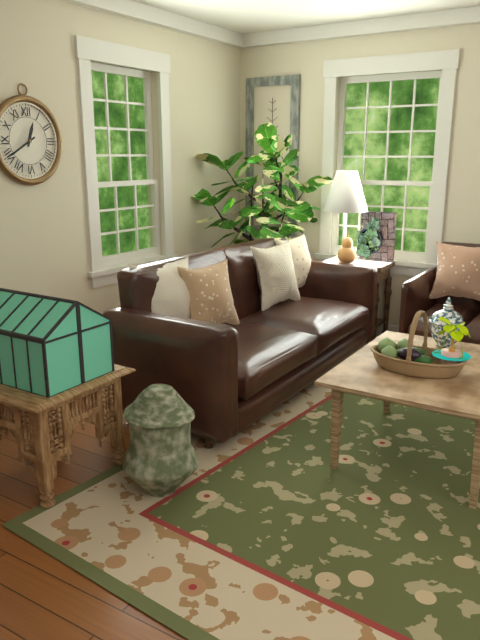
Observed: 12.40
